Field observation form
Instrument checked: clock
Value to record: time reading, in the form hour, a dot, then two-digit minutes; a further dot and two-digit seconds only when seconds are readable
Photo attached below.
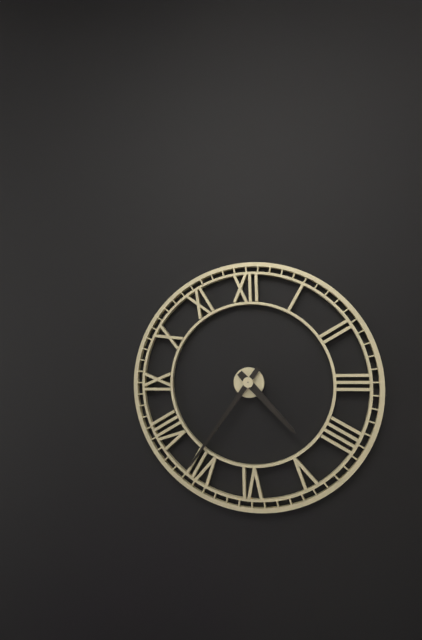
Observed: 4.36
